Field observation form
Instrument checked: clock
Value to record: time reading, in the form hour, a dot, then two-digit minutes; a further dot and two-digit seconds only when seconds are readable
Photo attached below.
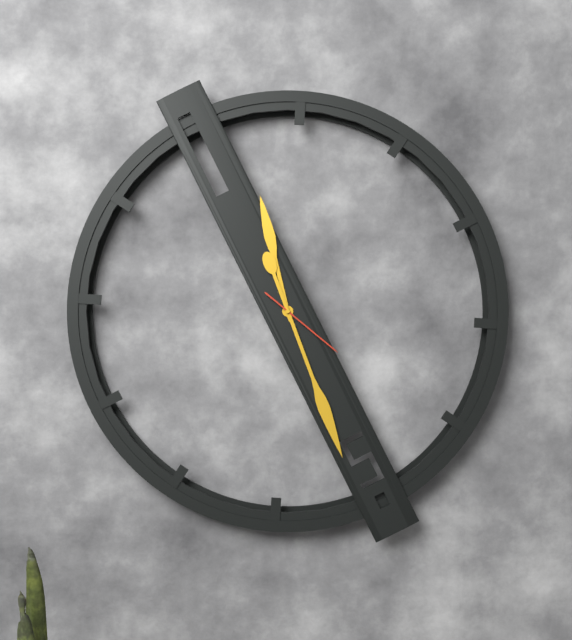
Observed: 11.26.21
